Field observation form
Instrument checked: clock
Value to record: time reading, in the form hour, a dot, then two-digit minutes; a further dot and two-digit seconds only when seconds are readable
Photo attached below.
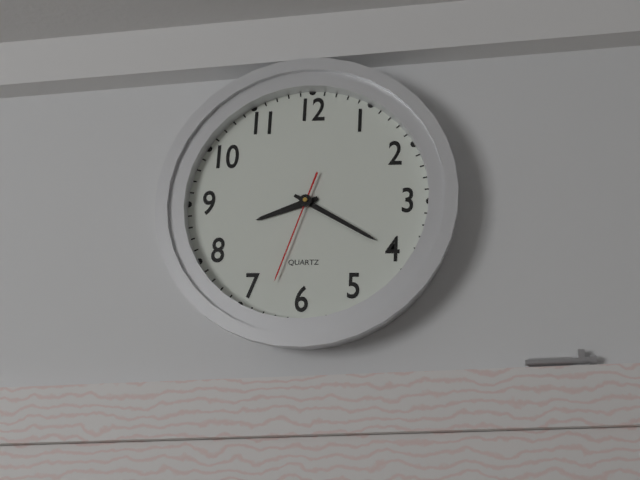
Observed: 8.20.33
